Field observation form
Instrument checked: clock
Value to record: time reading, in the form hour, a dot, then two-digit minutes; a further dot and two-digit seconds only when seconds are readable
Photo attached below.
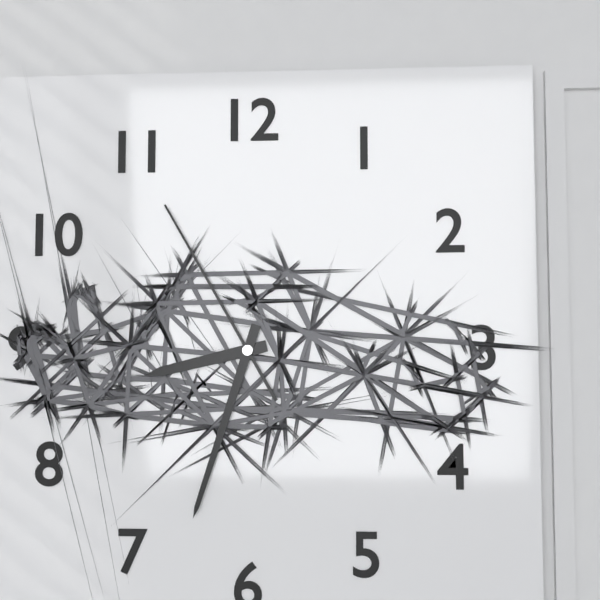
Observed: 8.33.55
